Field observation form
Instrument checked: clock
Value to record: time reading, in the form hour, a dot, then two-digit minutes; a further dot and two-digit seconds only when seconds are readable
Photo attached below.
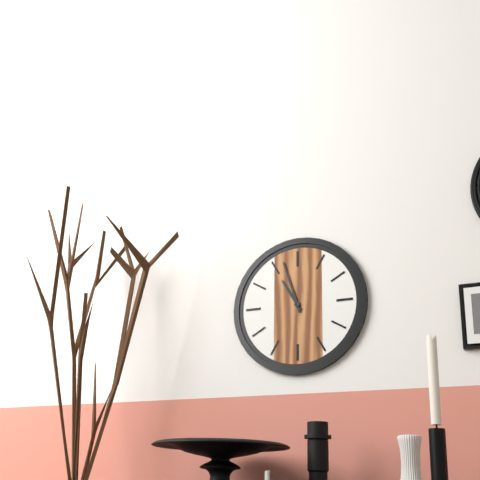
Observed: 10.57
